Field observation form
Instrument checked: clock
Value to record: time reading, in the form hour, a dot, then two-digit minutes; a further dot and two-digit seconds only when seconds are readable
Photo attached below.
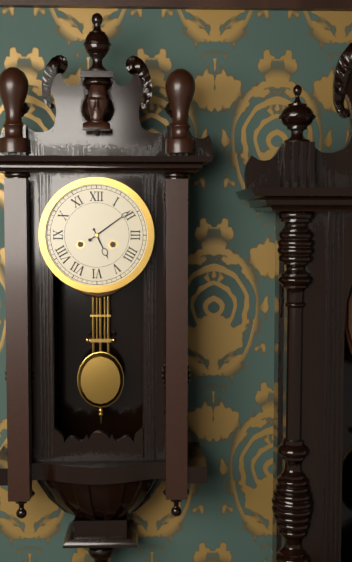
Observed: 5.09
